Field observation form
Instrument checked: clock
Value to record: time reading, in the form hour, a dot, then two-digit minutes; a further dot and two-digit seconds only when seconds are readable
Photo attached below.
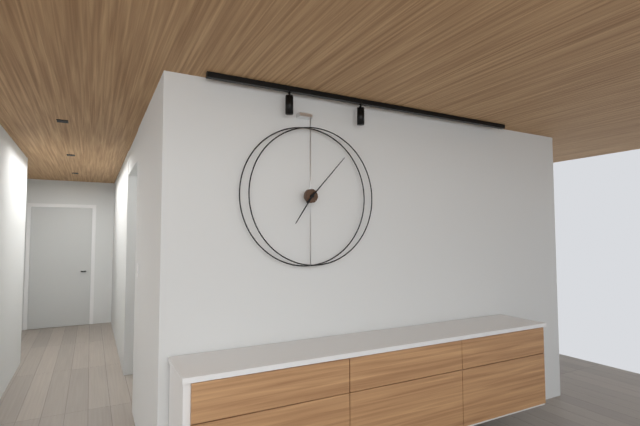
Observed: 7.07
